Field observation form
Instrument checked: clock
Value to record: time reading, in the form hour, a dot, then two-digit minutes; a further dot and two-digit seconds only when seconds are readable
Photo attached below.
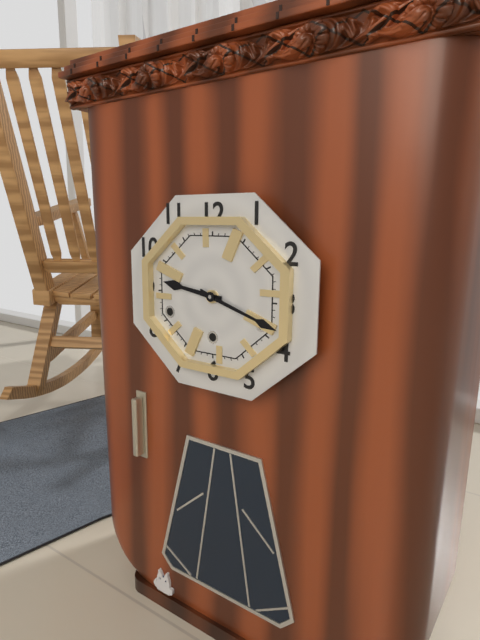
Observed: 9.18
